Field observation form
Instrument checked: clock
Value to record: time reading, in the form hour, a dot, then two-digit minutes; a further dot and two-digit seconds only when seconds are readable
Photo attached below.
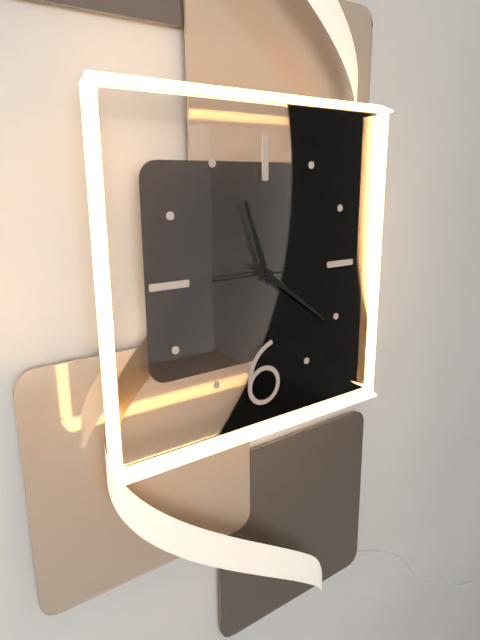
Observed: 11.21.45
